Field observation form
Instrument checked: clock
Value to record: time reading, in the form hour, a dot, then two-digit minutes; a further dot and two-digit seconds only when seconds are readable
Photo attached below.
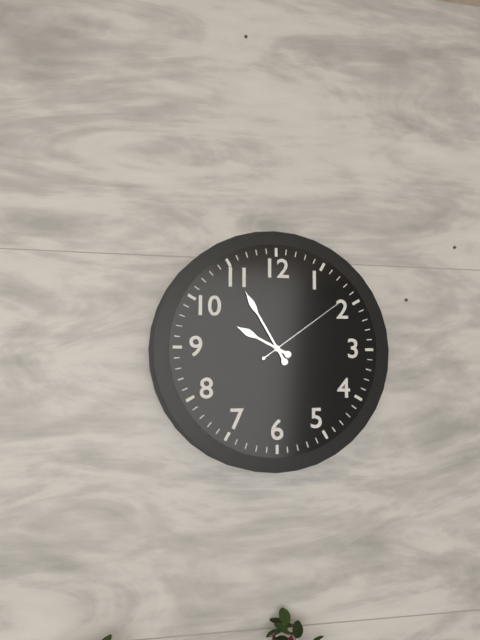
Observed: 9.55.09
